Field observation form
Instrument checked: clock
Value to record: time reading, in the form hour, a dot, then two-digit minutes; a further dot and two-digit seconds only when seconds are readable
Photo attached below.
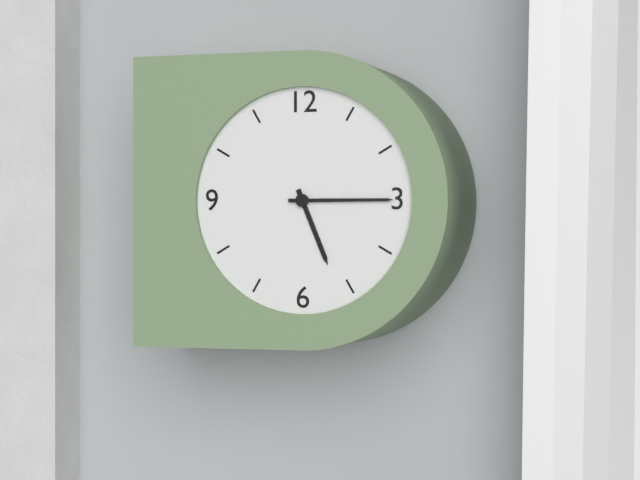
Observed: 5.15
